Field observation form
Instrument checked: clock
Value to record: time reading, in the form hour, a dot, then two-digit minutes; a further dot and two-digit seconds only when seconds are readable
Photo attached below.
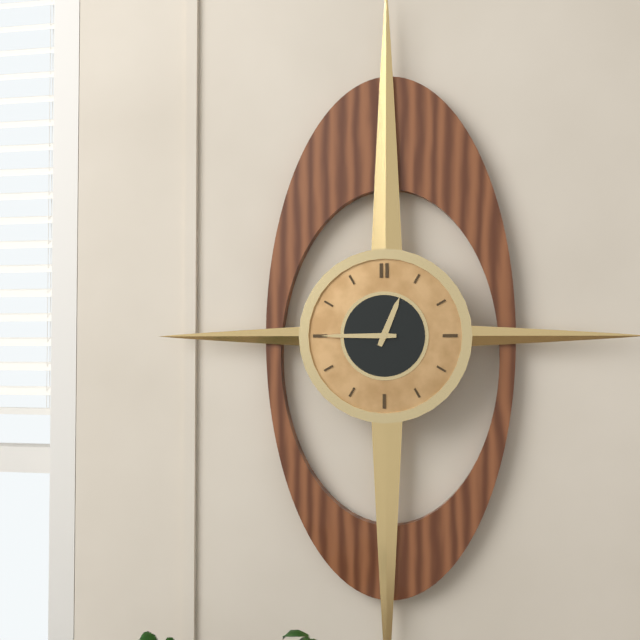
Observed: 12.45
